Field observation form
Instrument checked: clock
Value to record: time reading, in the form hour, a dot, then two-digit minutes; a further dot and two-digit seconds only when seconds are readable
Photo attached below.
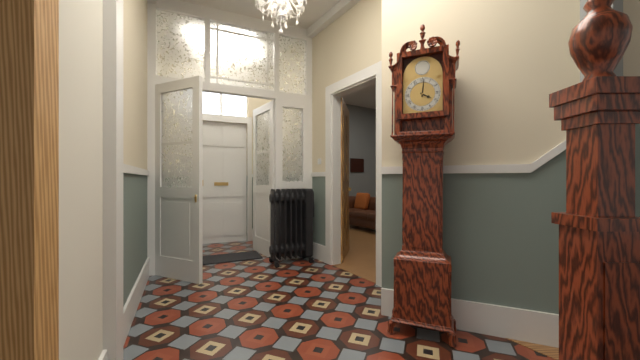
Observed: 4.01
